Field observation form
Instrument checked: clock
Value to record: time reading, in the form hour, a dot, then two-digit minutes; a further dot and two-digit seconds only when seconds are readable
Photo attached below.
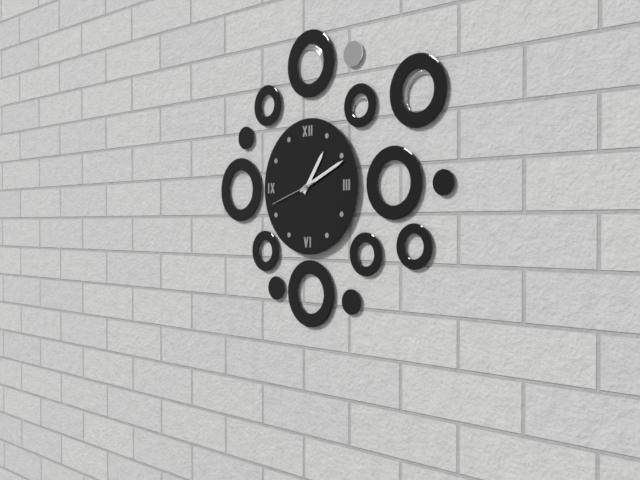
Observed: 1.11.42
